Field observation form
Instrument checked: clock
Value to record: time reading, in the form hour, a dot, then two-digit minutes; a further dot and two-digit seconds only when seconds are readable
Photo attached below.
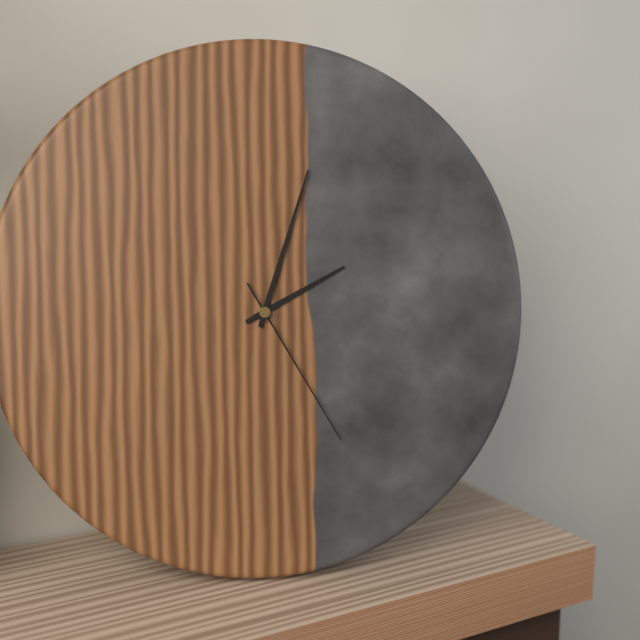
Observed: 2.03.25
